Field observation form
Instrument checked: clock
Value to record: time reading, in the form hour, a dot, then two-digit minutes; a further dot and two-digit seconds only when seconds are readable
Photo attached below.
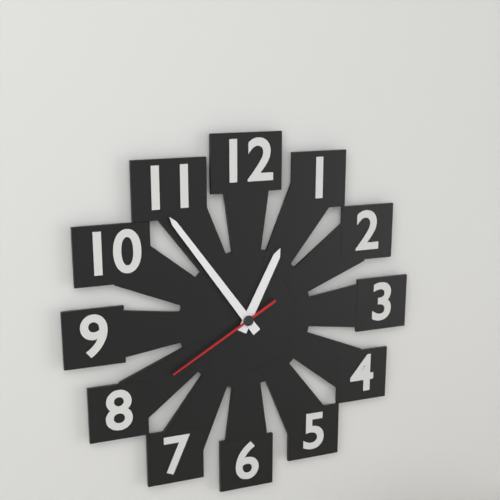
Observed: 12.54.40
